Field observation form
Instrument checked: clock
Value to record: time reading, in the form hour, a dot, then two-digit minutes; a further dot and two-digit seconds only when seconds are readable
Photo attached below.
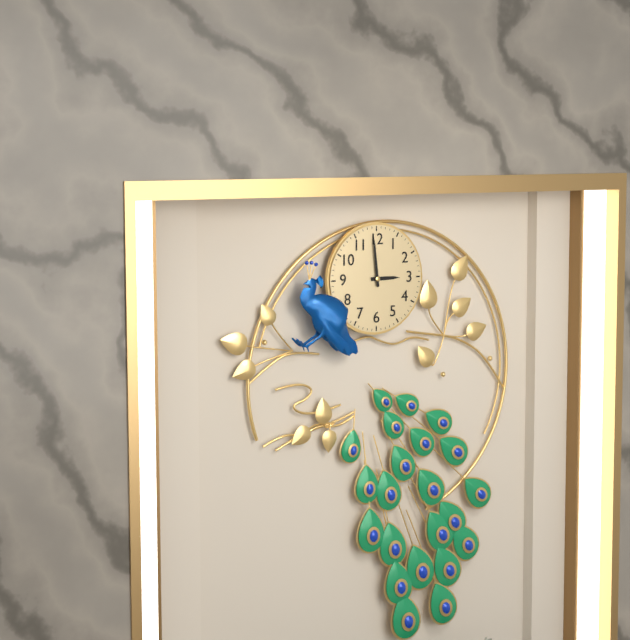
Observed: 2.59
